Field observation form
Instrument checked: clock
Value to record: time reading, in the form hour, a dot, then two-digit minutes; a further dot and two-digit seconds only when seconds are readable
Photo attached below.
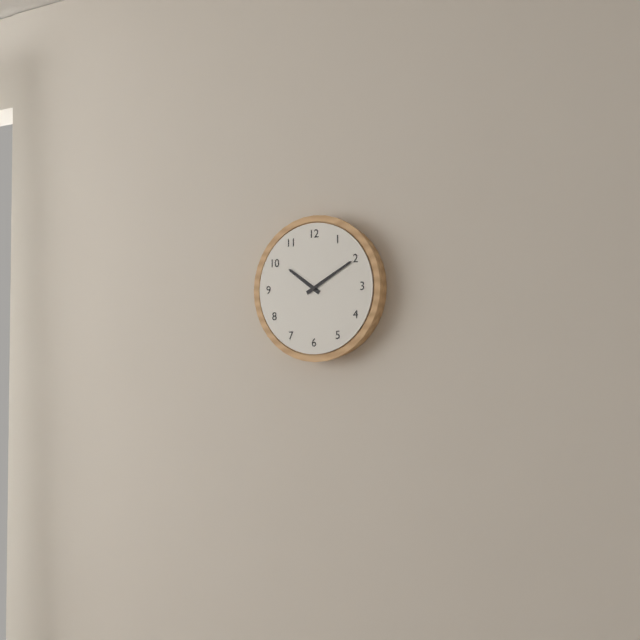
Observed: 10.10
